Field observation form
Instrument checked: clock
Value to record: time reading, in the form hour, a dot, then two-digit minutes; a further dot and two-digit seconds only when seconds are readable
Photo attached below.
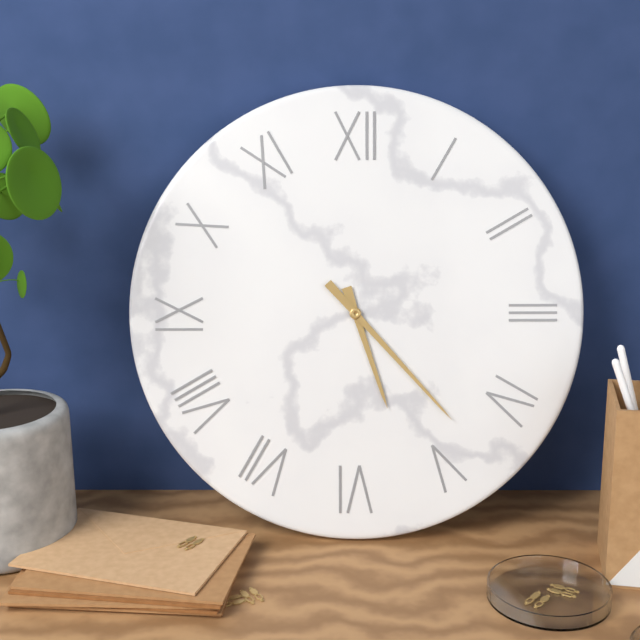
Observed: 5.23
